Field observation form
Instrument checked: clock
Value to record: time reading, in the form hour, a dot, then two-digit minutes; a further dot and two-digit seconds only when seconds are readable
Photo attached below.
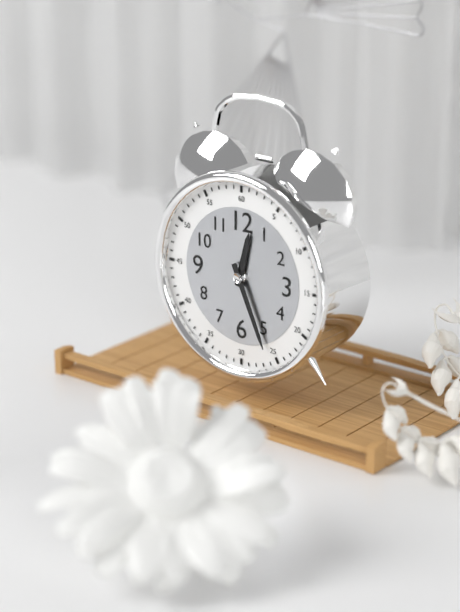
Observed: 12.26
